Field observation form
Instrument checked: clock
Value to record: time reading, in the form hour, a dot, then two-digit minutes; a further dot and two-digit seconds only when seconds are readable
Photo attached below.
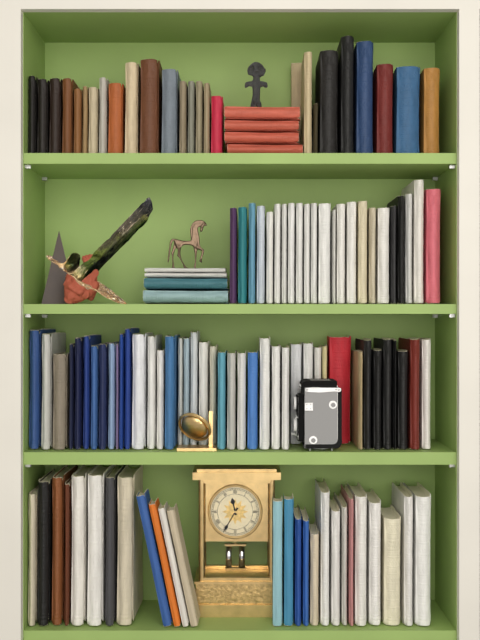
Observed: 11.35
